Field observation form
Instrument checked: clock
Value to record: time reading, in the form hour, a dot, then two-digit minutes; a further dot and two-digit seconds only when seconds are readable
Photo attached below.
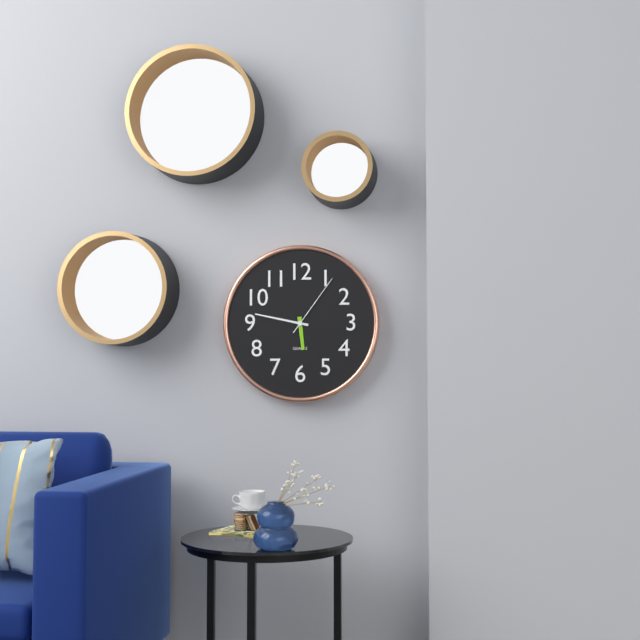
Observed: 5.47.06
